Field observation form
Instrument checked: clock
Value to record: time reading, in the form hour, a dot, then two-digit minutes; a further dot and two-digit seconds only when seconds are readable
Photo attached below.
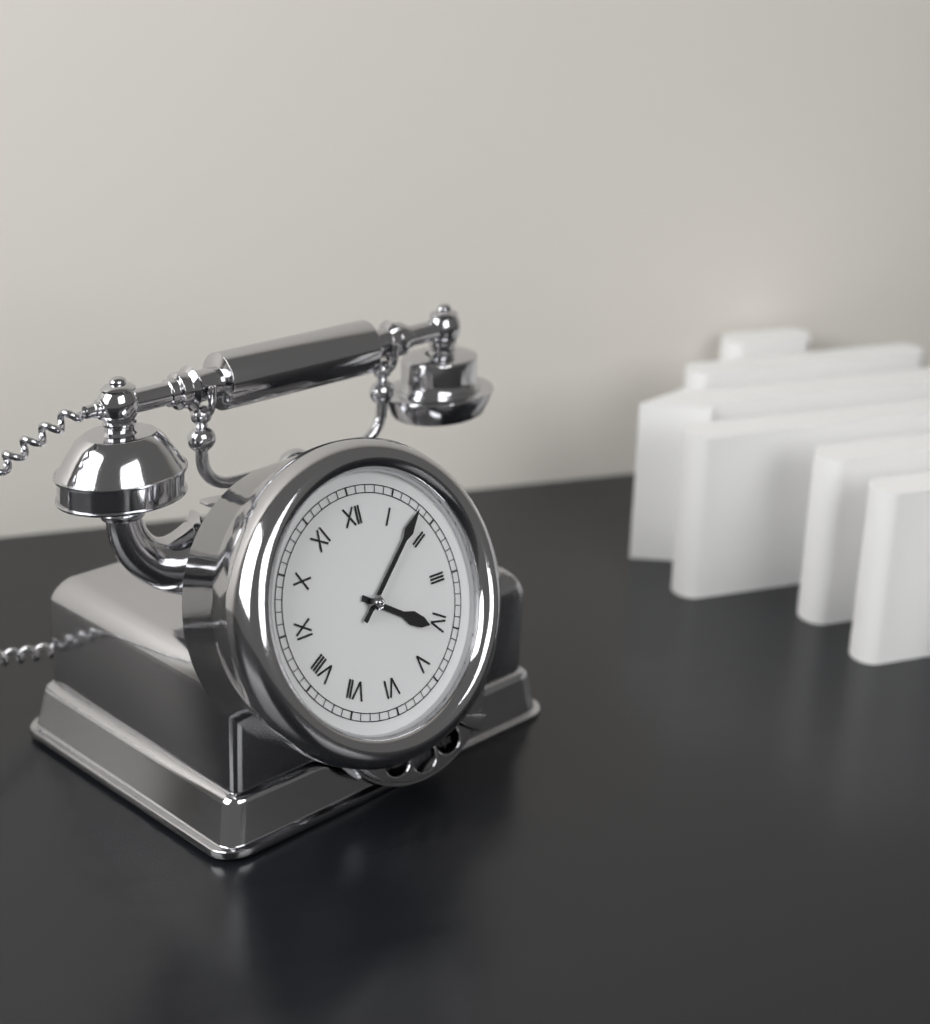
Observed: 4.08
